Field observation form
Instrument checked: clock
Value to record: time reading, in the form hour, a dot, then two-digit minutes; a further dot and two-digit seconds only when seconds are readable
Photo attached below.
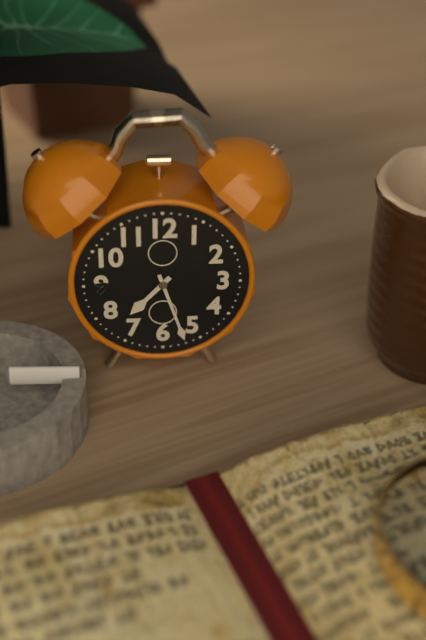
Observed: 7.27
